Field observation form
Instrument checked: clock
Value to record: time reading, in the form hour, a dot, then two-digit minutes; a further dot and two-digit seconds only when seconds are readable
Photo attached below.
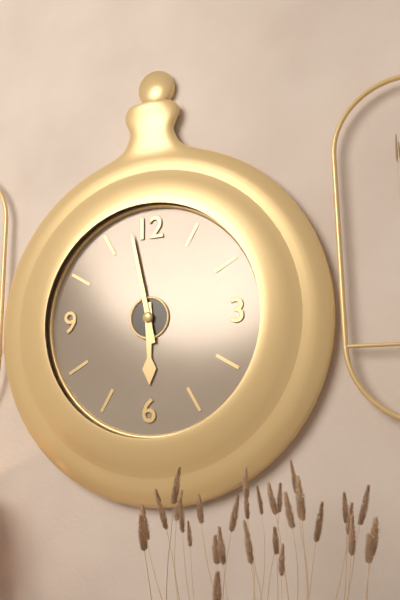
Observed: 5.58
